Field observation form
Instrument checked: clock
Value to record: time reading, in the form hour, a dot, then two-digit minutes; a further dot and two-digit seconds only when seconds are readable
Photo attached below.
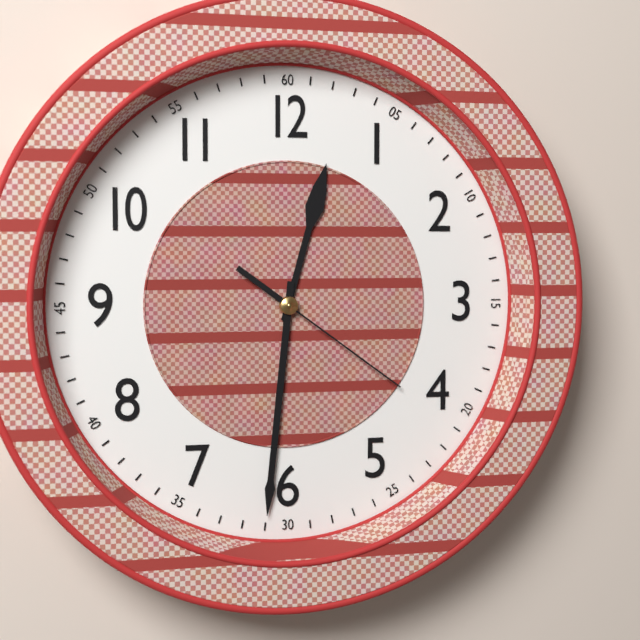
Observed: 12.31.21
